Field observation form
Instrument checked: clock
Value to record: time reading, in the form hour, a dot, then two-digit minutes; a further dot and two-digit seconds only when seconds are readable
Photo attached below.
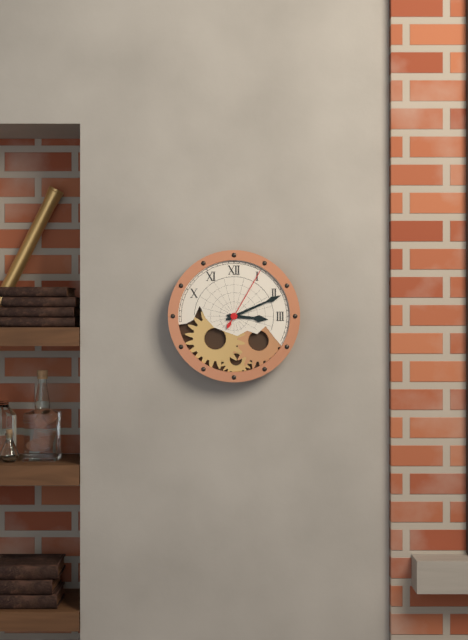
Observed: 3.11.05
